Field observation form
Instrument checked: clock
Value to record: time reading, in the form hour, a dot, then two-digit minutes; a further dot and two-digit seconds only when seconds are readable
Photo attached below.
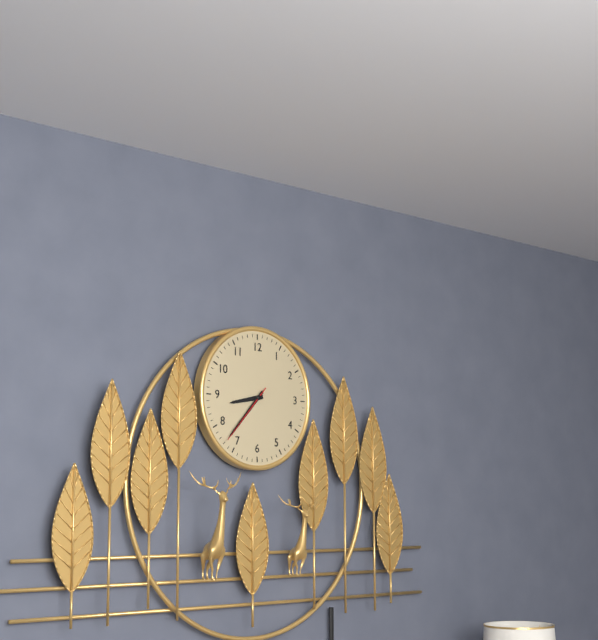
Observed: 8.37.37
